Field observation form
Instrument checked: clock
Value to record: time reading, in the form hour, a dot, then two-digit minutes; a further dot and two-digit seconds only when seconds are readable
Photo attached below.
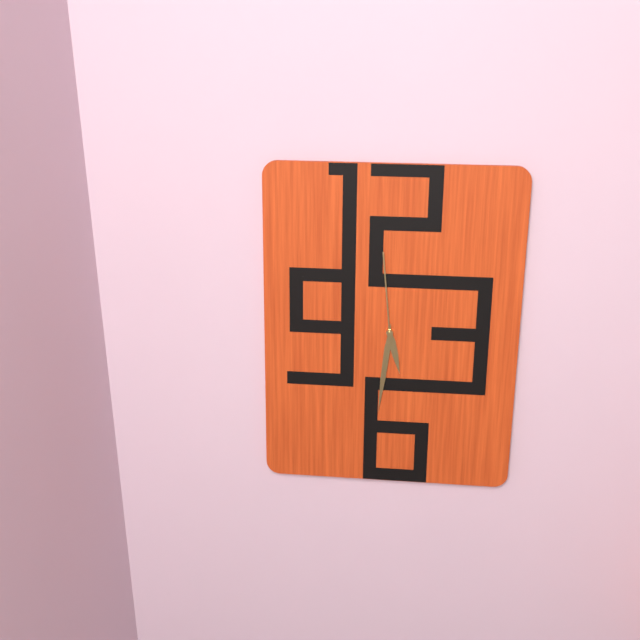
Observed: 5.31.59
